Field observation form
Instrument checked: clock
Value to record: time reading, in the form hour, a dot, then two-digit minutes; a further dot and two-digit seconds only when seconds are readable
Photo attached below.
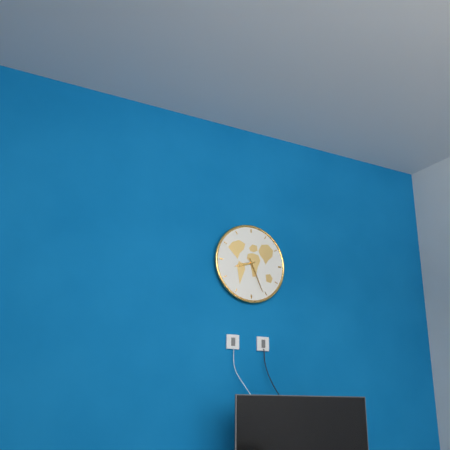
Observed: 8.26
